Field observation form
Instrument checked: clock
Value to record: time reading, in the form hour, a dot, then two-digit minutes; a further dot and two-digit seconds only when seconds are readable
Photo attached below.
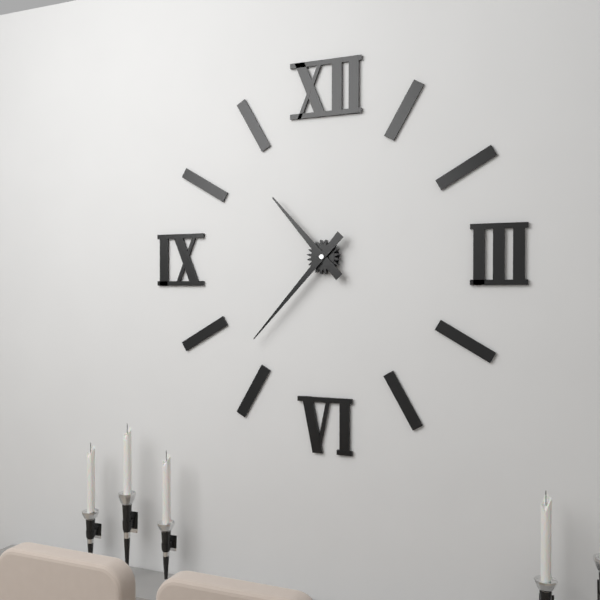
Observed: 10.37
